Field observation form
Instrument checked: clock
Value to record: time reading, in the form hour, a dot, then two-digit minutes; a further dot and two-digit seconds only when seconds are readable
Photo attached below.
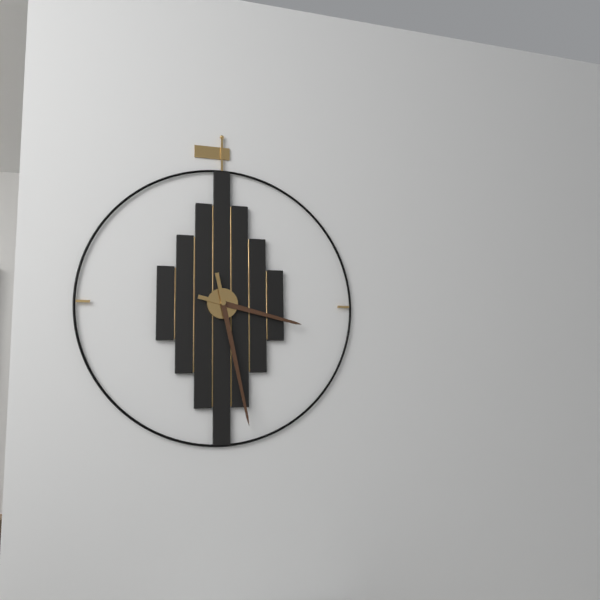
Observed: 3.28
